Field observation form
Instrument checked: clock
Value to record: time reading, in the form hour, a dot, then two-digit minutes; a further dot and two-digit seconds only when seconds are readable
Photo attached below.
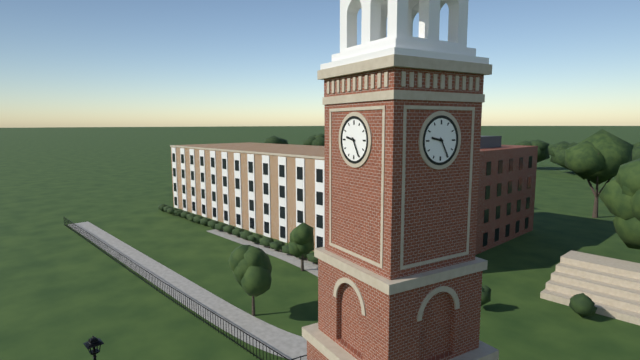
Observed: 9.25
